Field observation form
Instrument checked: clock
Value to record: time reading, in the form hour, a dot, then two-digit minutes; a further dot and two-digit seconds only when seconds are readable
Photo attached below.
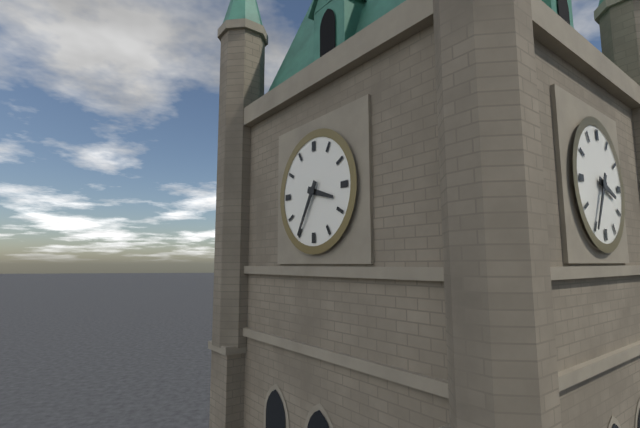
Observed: 3.35
